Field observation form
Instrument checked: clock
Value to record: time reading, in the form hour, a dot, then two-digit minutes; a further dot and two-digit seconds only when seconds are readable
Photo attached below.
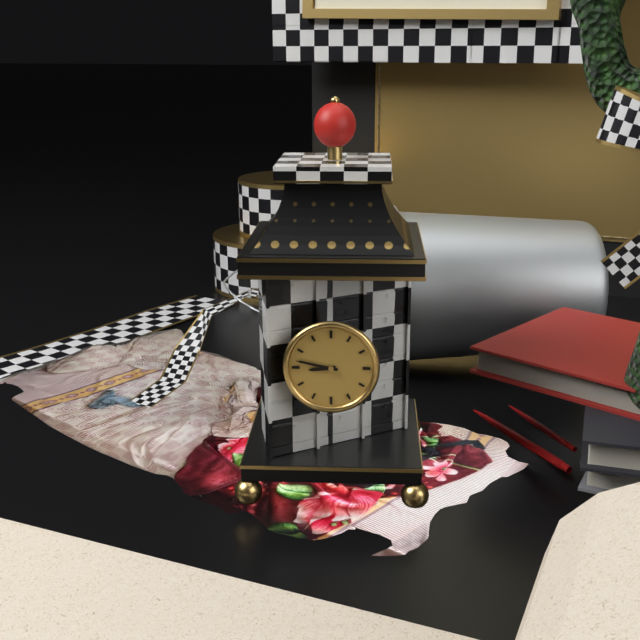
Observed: 8.47
